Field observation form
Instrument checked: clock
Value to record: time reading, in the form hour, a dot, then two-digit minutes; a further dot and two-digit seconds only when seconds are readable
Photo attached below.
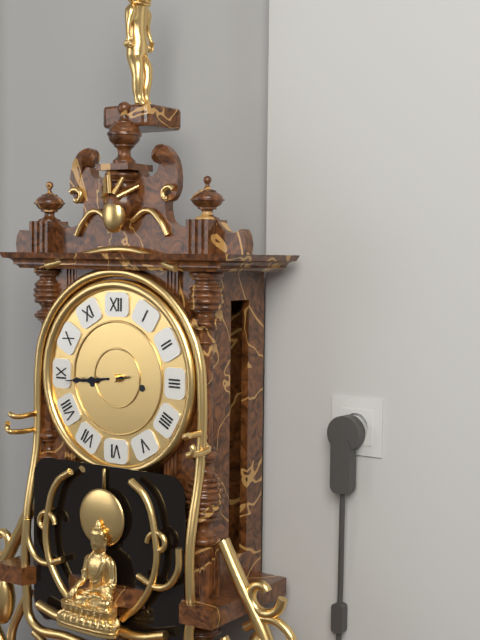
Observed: 8.44
